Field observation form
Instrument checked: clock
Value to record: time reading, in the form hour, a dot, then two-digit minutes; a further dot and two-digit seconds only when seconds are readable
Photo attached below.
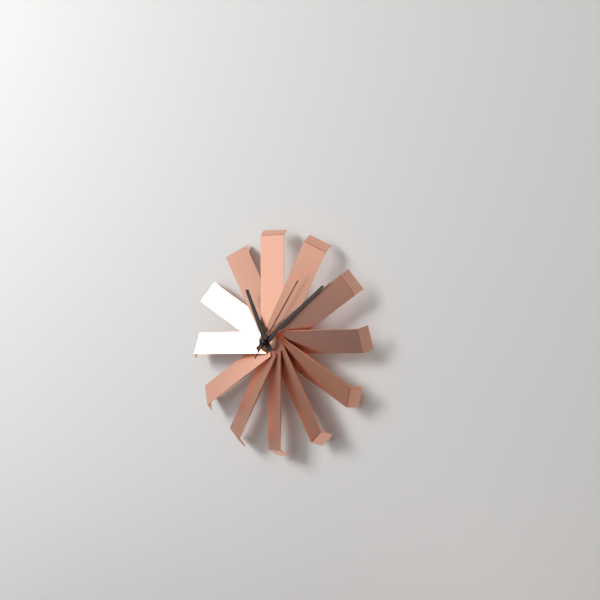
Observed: 11.09.06
